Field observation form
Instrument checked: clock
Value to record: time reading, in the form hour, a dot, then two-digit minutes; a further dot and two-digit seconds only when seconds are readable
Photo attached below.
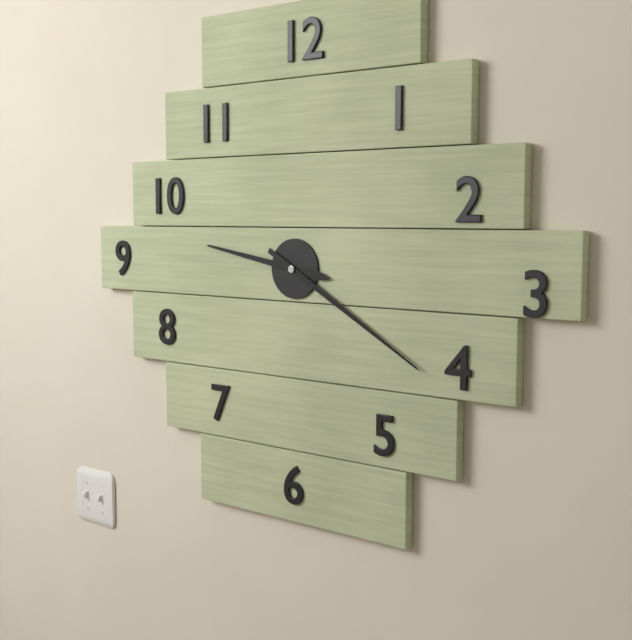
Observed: 9.20
